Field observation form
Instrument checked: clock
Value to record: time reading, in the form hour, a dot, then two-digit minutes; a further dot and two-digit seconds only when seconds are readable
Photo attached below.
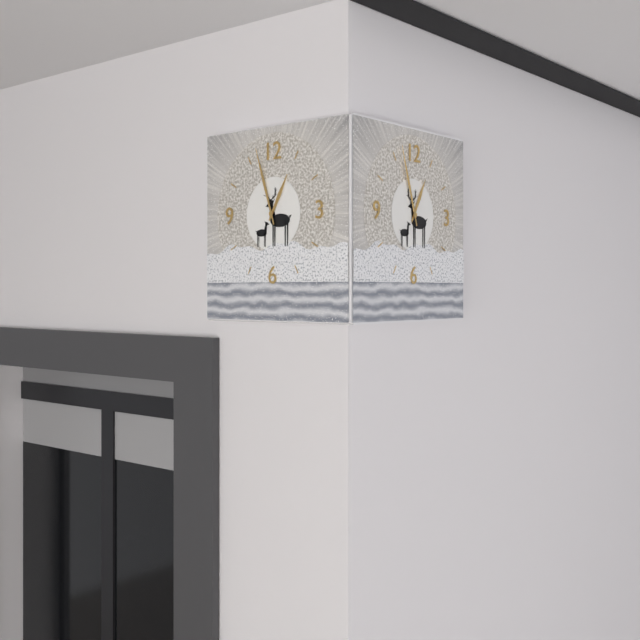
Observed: 12.57
